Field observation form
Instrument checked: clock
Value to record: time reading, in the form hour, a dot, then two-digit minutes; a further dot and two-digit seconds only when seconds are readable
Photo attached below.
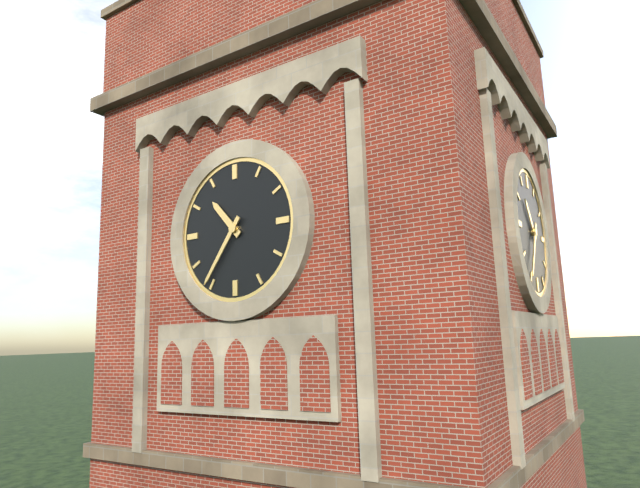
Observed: 10.36
